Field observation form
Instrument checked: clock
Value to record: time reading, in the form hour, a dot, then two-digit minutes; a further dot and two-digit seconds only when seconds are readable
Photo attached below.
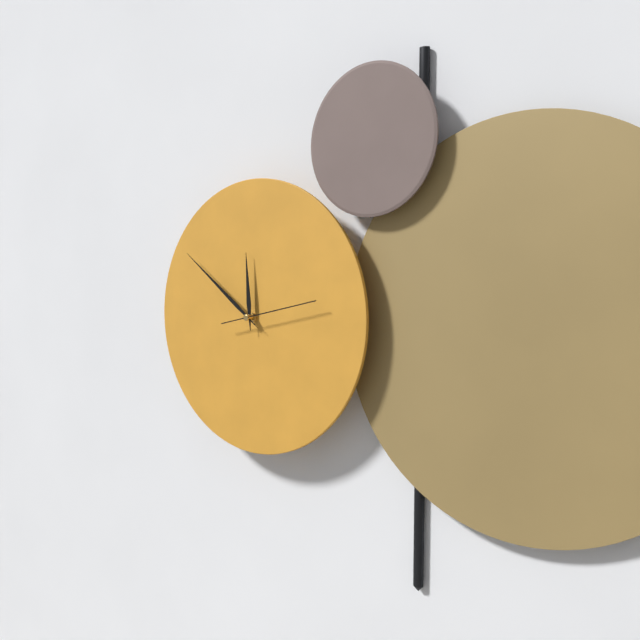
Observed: 11.51.13
